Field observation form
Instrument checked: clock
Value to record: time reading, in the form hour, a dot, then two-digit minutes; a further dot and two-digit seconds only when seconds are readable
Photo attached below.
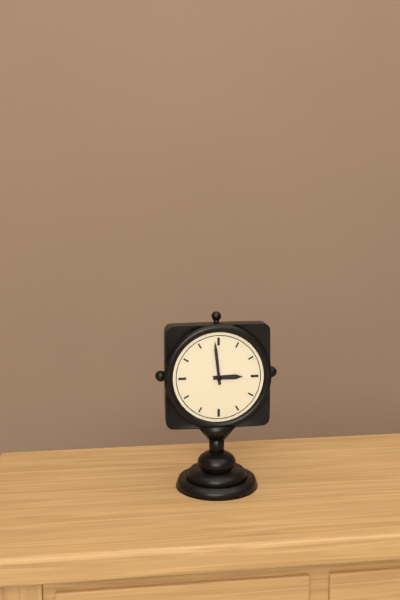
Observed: 2.59
